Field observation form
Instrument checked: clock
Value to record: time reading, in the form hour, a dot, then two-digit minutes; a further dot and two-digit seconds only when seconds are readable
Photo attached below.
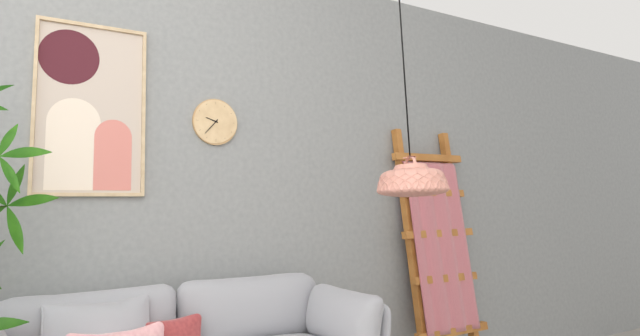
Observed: 9.37
